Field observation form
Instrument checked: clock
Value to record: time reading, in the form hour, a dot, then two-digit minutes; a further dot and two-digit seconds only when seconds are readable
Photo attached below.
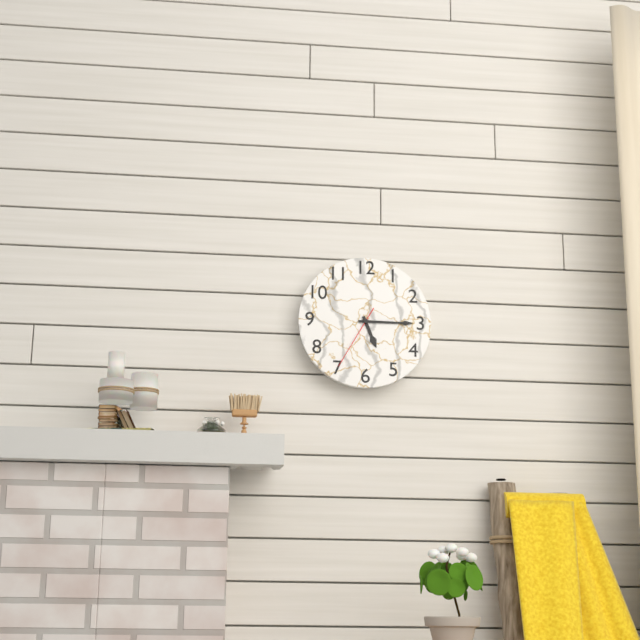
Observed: 5.15.35
